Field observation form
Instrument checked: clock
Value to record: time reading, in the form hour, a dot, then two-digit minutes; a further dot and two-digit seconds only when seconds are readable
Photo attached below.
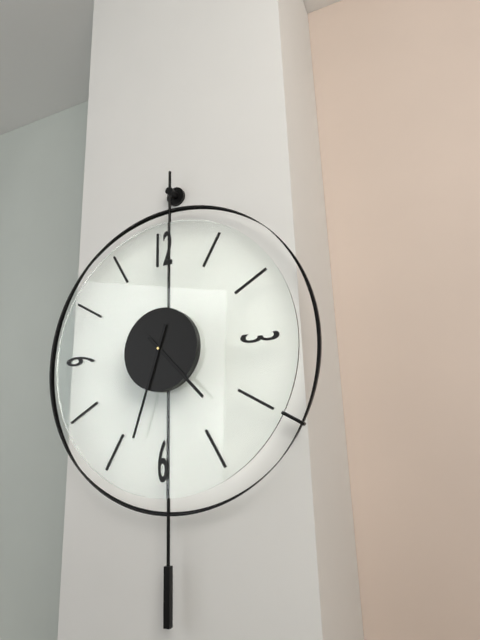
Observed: 4.33
